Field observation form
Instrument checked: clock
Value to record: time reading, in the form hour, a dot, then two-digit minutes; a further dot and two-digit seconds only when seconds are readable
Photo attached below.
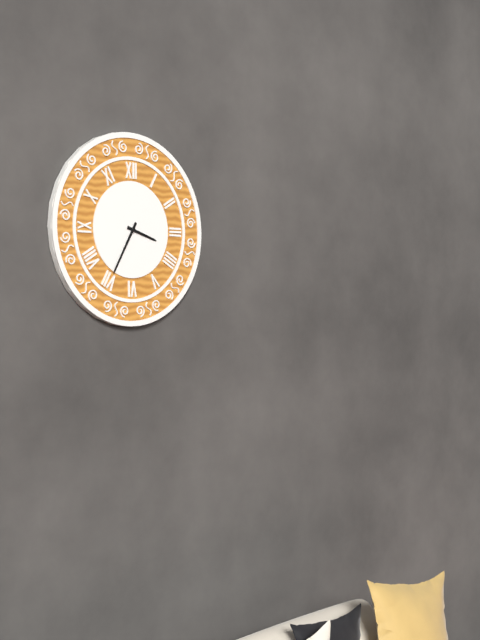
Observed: 3.35
